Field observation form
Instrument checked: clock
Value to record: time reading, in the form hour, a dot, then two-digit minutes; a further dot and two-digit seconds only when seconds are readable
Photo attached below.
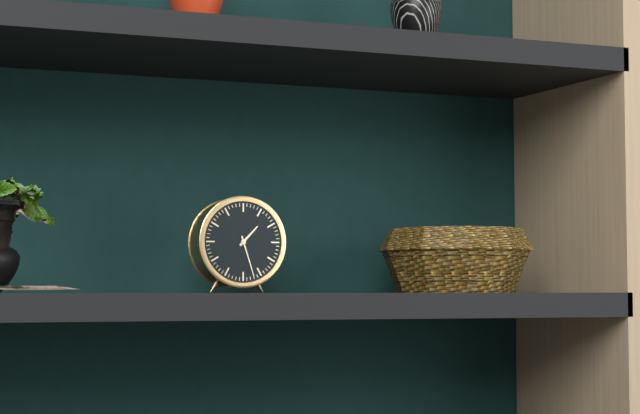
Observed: 1.27
